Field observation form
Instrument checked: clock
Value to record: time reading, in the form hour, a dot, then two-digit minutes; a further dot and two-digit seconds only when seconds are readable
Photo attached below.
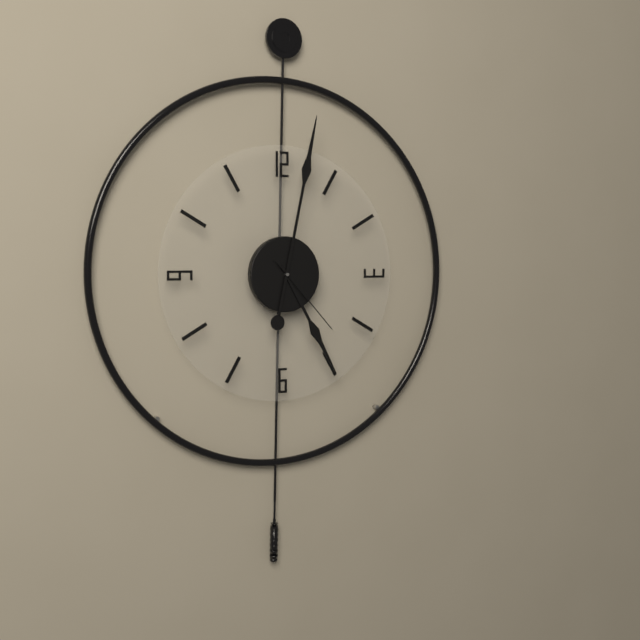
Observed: 5.02.23
